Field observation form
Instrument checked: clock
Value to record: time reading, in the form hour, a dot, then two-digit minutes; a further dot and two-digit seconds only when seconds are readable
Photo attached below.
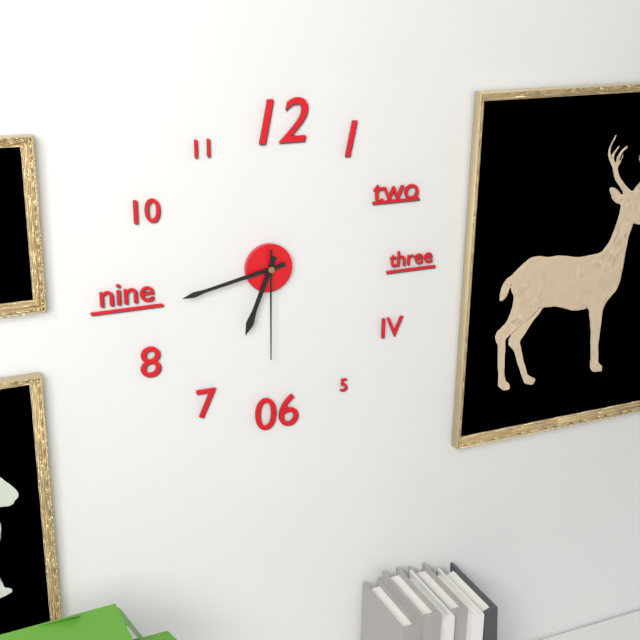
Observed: 6.43.30
